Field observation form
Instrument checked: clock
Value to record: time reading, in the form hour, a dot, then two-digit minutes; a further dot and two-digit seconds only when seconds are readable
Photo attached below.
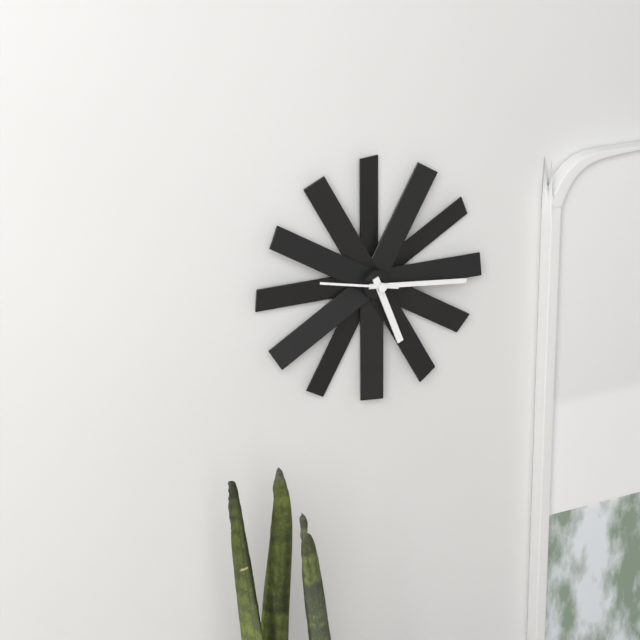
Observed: 5.16.47
